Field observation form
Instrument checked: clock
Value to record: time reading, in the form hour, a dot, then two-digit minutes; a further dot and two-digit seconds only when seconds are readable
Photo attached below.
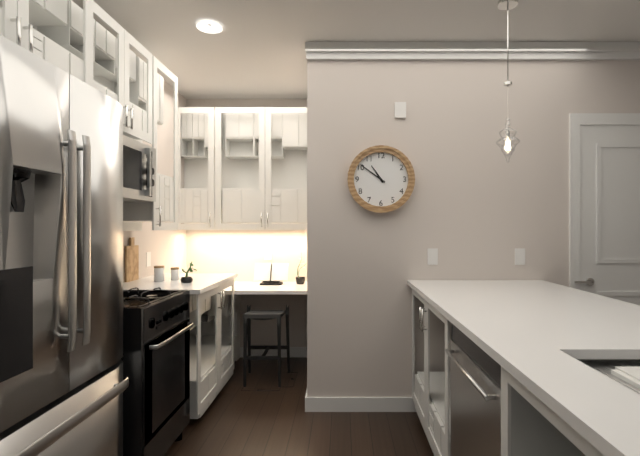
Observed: 10.51
